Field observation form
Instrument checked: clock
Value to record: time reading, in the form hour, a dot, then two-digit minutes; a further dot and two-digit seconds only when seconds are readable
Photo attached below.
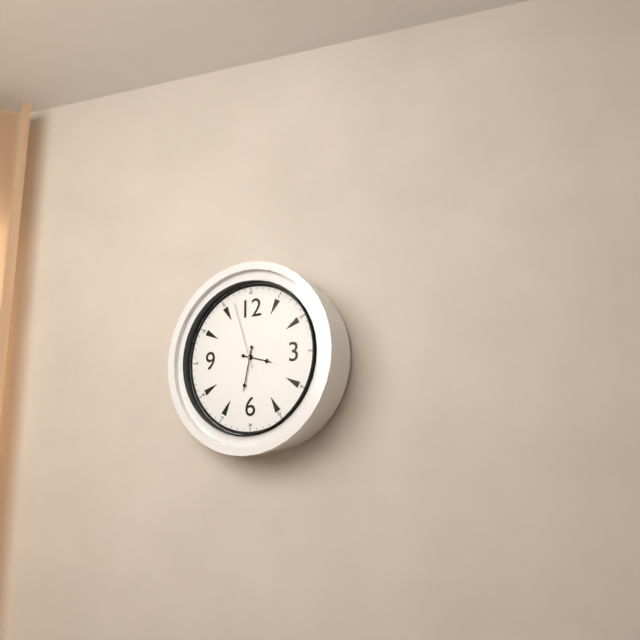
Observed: 3.32.57
